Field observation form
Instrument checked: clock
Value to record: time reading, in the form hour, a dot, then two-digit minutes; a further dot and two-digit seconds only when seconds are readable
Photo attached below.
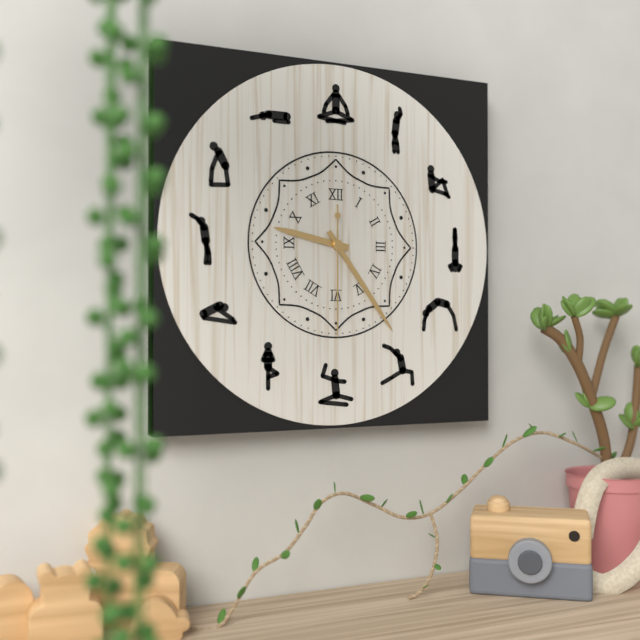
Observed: 9.24.30
